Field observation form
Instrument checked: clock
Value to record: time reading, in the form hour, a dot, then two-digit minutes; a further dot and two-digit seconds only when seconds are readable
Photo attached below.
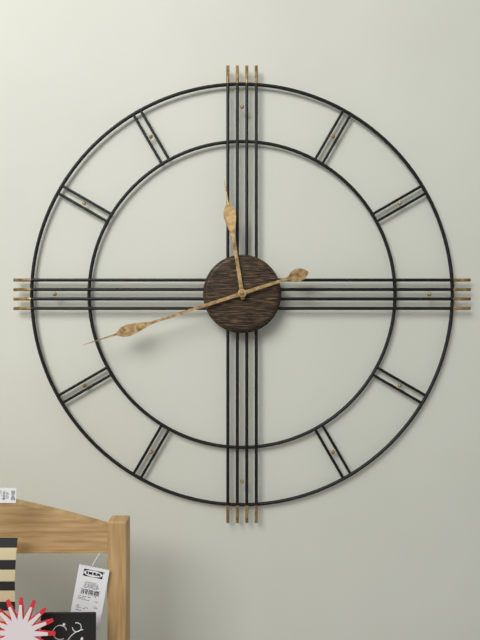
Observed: 11.42
